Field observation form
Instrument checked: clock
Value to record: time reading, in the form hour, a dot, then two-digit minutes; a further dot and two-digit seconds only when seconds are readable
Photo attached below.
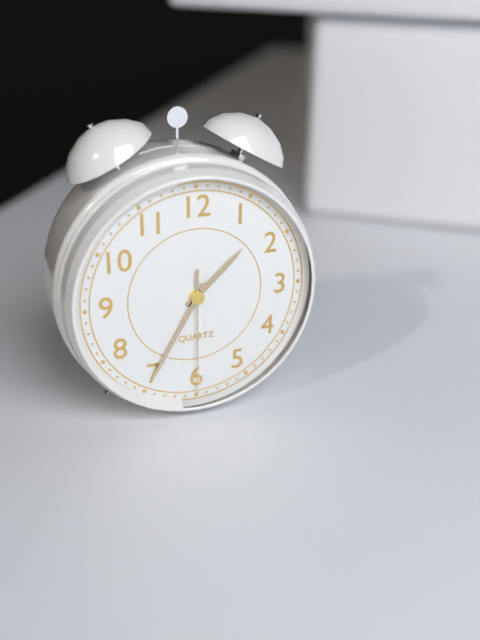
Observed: 1.35.30
